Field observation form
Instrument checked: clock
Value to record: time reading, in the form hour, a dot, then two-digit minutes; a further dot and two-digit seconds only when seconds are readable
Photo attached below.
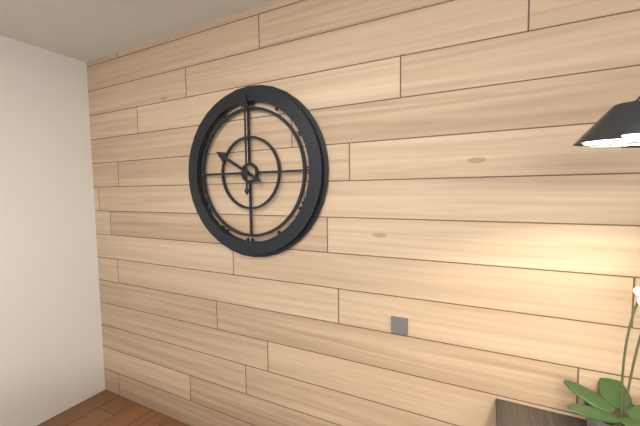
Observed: 10.00
